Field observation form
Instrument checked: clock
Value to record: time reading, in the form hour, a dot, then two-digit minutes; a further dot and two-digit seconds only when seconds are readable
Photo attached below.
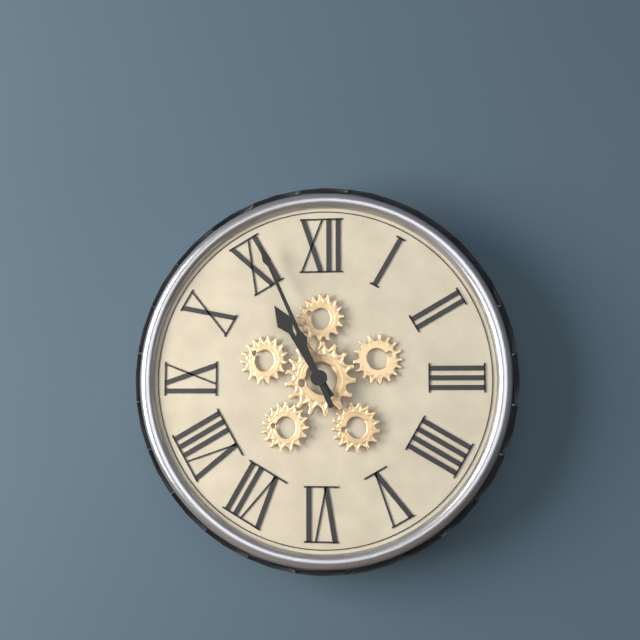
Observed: 10.56
